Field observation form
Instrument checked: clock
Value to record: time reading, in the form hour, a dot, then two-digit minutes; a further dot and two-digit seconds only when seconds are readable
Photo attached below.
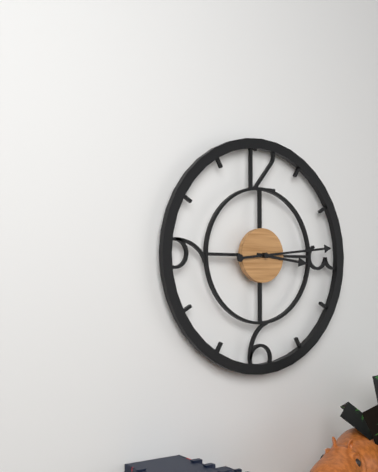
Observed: 3.14
